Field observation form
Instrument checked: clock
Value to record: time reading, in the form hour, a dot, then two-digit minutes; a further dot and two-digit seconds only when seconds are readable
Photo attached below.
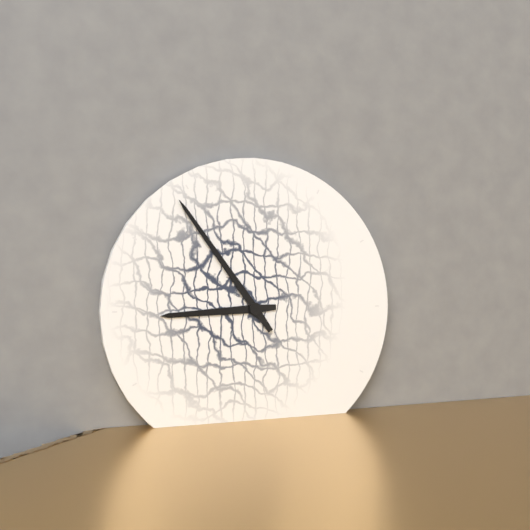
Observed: 8.54
